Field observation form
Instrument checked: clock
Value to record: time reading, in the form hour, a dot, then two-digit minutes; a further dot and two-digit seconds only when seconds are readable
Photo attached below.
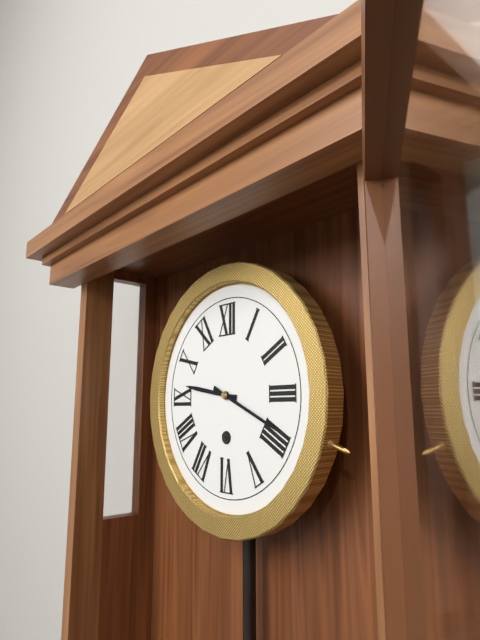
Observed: 9.19
